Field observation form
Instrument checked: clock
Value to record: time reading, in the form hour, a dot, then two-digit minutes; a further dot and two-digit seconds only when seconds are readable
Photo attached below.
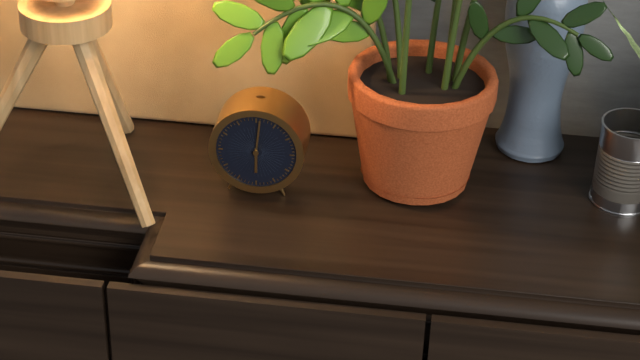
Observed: 6.01
